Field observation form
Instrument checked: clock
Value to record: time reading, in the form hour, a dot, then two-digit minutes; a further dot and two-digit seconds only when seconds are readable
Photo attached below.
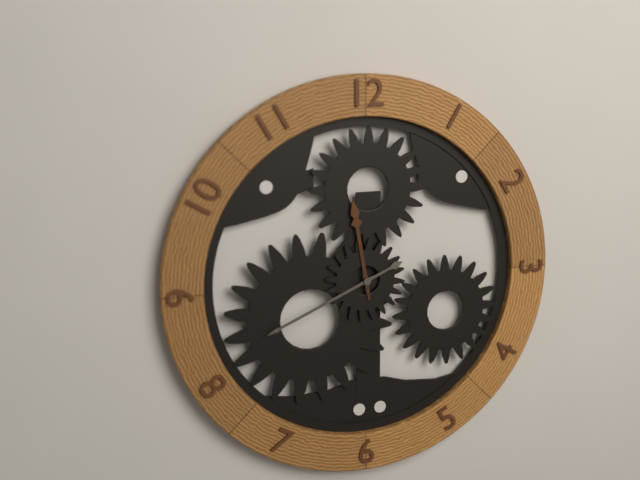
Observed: 11.41
